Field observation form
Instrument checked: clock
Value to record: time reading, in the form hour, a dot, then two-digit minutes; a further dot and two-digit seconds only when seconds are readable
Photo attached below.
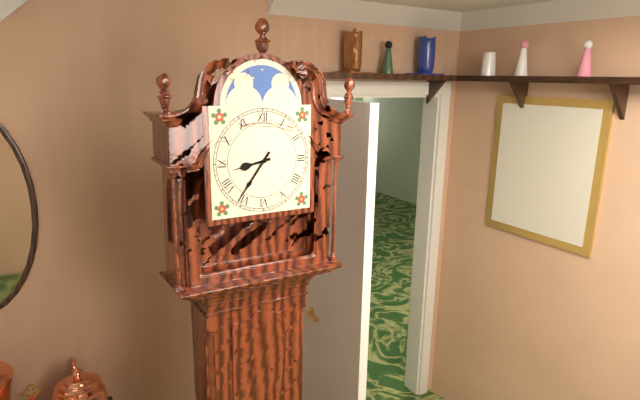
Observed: 8.36
